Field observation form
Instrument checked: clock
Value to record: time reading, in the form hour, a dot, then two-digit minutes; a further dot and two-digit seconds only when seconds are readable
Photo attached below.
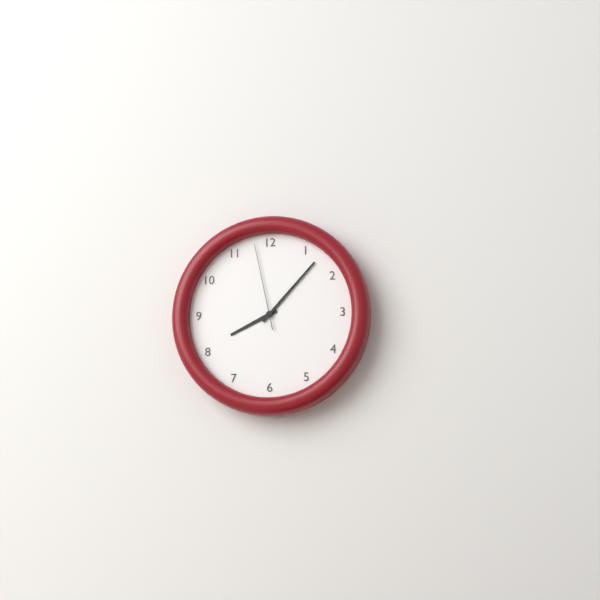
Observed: 8.07.58
